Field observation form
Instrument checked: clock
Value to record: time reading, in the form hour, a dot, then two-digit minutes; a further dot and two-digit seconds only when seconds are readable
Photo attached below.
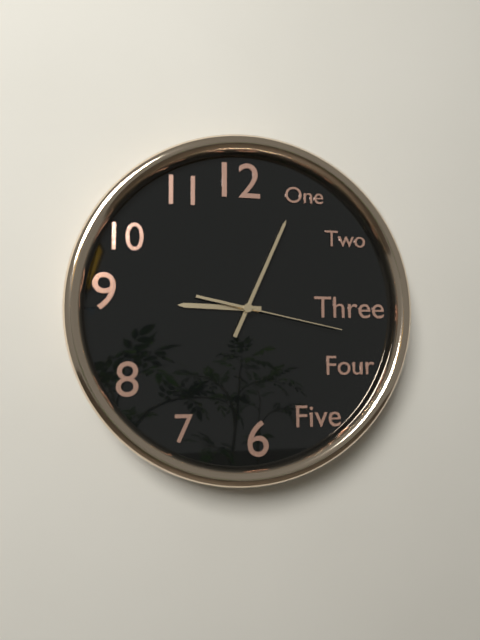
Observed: 9.04.17
